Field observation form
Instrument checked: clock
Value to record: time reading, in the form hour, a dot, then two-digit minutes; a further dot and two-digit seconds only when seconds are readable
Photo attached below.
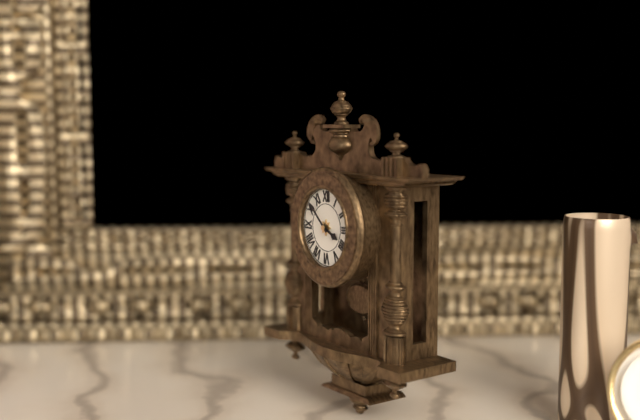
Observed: 3.52
